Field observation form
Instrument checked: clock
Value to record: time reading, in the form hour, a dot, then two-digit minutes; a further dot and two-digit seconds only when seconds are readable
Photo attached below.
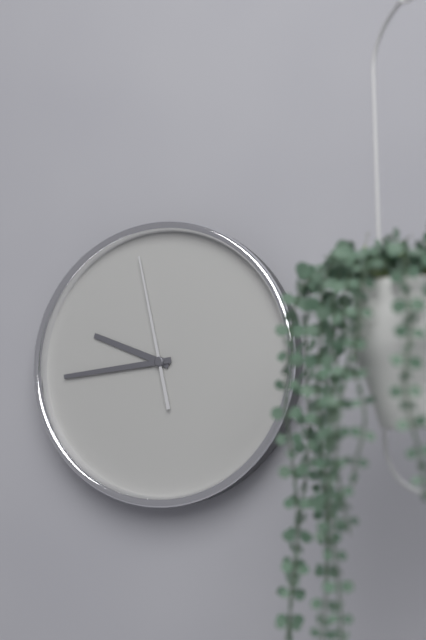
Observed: 9.44.58
